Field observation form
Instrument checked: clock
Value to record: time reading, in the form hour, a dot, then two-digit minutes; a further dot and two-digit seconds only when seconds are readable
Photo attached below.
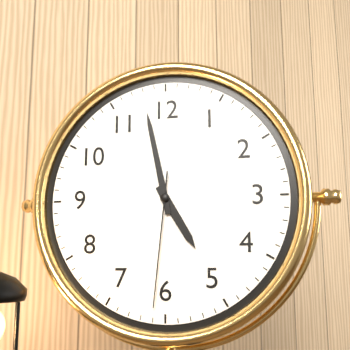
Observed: 4.58.31
